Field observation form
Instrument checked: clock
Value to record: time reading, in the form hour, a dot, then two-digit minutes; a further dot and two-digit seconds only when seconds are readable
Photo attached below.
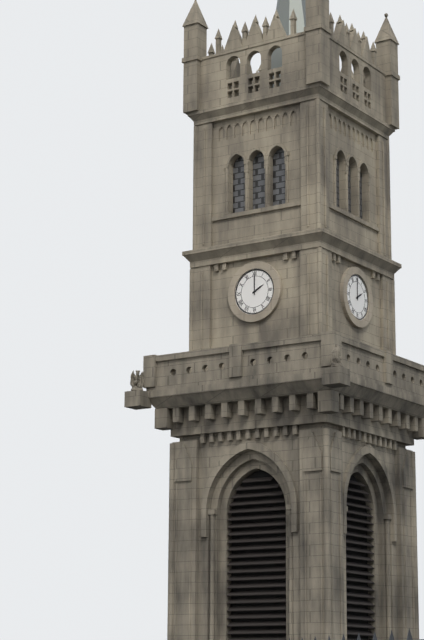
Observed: 2.00
